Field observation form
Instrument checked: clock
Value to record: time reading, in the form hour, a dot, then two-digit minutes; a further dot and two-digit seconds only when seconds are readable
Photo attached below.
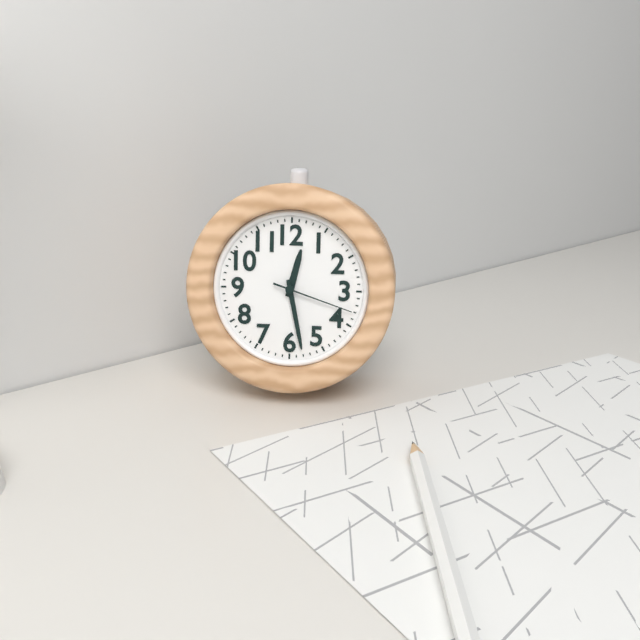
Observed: 12.28.18
